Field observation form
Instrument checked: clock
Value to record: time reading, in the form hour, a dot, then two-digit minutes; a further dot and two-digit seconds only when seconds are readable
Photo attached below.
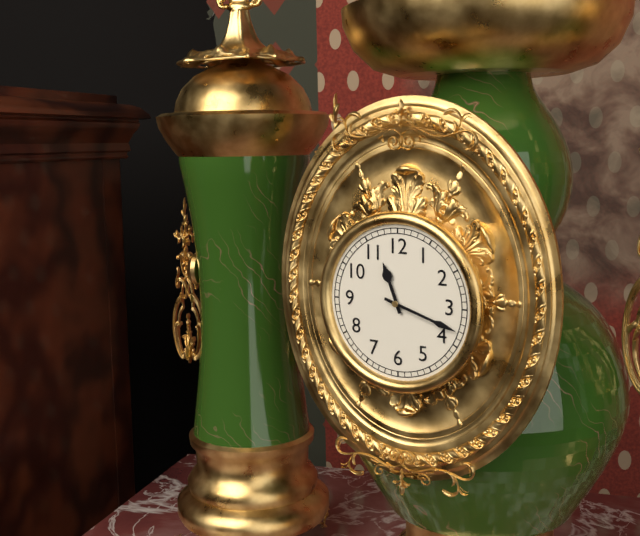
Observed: 11.18
